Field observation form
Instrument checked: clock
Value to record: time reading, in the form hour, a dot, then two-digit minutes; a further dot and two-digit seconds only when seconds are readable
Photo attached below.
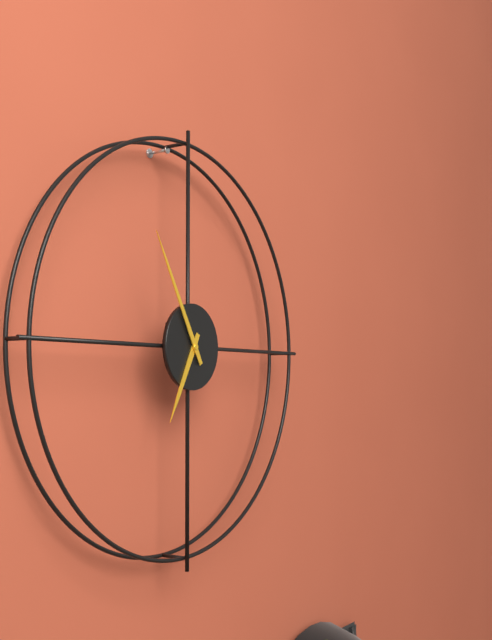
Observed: 6.55
